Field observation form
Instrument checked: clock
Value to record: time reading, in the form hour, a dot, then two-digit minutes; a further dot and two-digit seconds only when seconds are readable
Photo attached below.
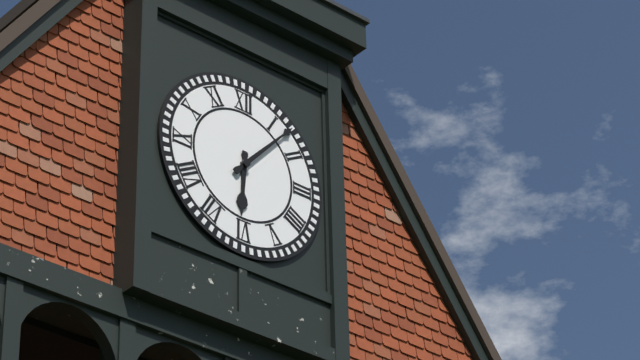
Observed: 6.07
